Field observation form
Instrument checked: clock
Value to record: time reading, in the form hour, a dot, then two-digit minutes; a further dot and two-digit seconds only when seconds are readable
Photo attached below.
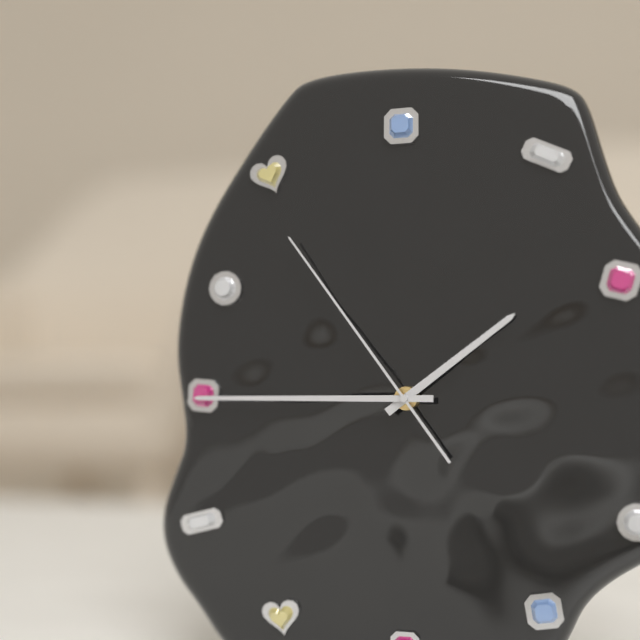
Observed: 1.45.54
